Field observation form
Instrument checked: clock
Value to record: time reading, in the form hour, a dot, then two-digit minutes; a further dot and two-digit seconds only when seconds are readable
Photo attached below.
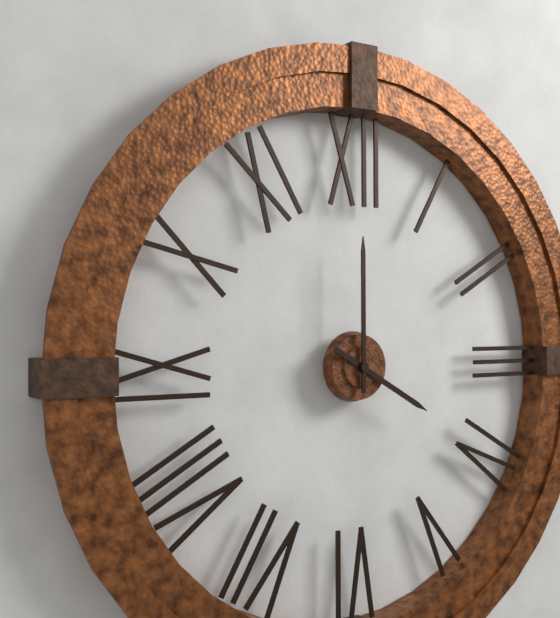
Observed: 4.00
